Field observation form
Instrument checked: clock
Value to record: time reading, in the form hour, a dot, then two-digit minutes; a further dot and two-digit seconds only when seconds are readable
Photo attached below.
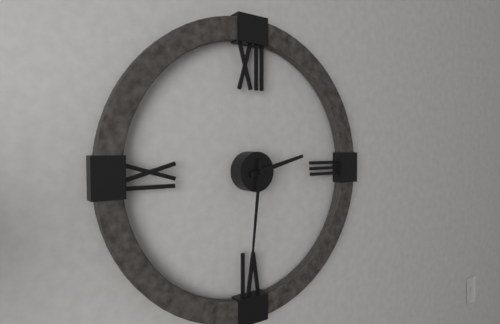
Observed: 2.31
